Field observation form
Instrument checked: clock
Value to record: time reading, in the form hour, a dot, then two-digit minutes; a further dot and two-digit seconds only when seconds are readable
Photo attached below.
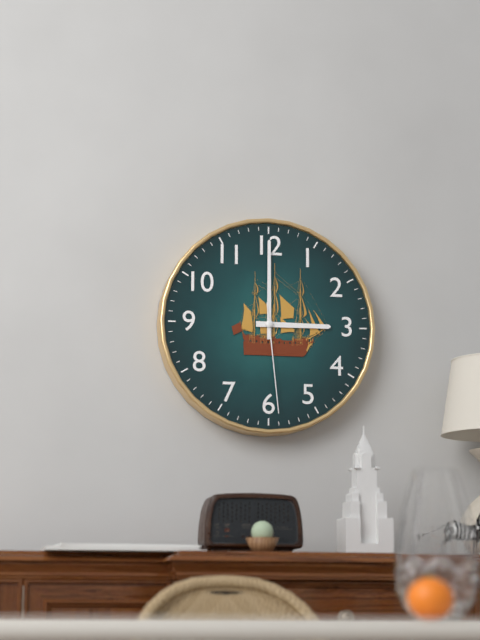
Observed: 3.00.29
